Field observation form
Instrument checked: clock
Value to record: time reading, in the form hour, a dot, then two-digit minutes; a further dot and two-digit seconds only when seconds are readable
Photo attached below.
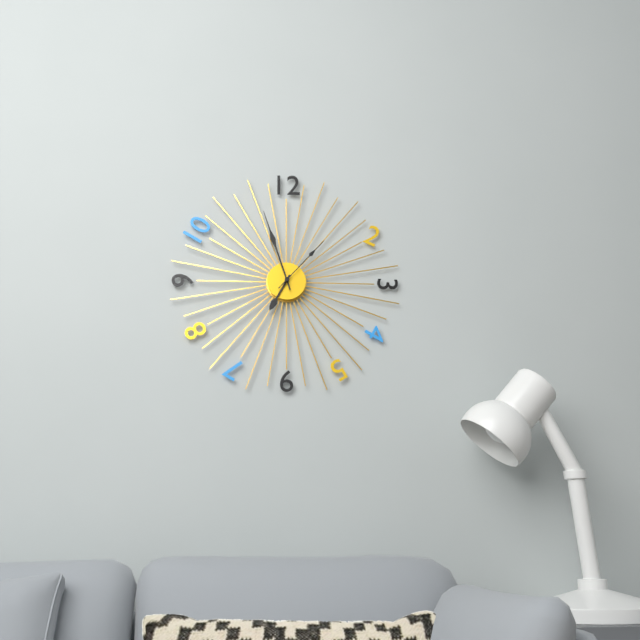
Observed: 6.57.07
